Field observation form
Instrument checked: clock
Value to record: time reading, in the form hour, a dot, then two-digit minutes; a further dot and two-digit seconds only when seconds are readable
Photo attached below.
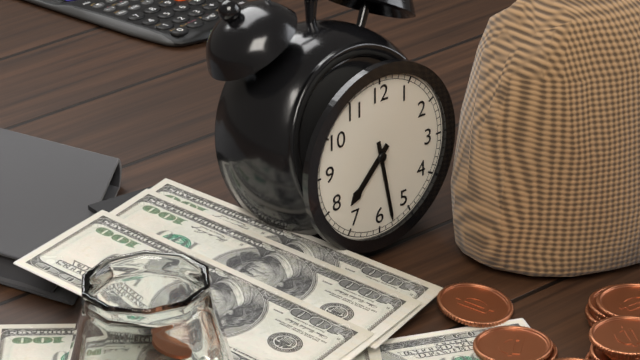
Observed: 7.28
